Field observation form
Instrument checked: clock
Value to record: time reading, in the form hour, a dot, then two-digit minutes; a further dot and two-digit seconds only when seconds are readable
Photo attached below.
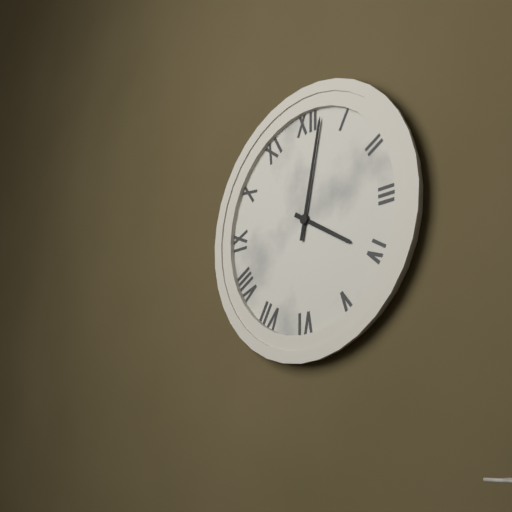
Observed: 4.02
